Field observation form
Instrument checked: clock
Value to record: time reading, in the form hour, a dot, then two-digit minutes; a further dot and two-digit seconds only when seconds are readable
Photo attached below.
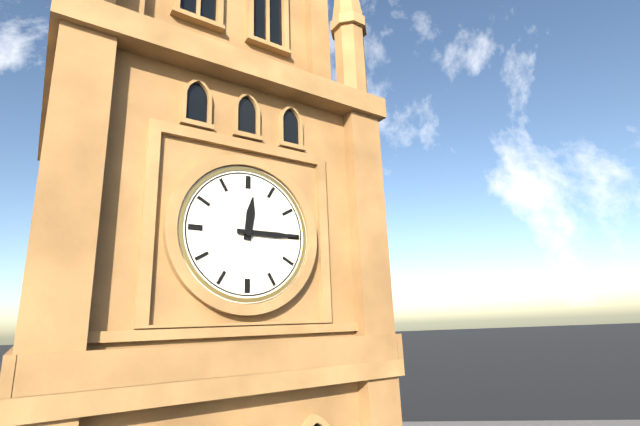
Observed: 12.15
